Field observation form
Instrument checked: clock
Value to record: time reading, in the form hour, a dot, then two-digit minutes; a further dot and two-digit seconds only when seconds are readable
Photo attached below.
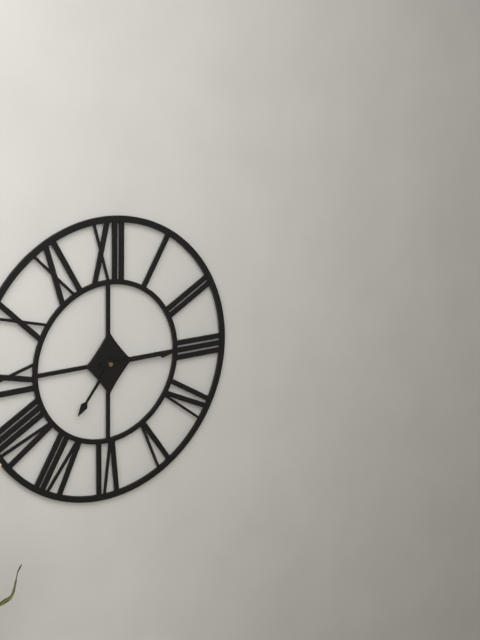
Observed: 7.15
